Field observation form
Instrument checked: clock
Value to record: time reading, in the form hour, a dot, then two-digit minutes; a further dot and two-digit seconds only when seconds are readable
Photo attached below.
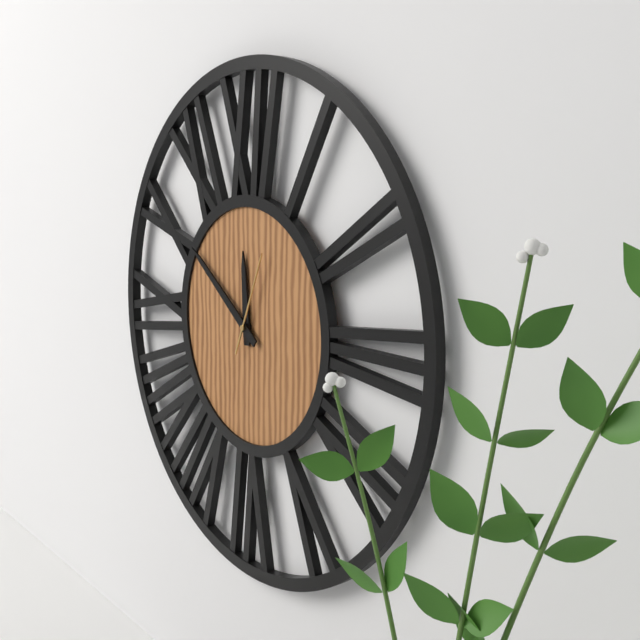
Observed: 11.51.04
